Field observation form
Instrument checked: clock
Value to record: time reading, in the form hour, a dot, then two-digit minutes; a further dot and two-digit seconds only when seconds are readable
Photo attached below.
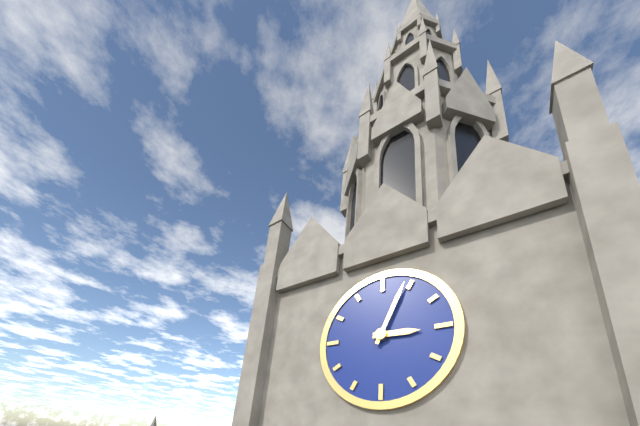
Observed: 3.04
